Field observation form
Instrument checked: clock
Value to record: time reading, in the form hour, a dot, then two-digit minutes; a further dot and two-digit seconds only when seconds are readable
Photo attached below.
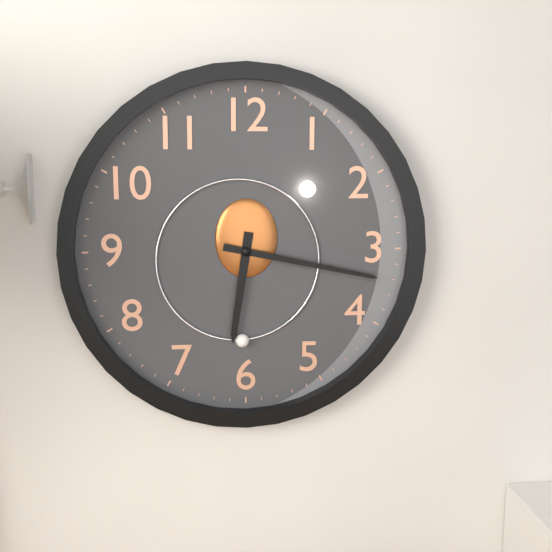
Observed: 6.17
